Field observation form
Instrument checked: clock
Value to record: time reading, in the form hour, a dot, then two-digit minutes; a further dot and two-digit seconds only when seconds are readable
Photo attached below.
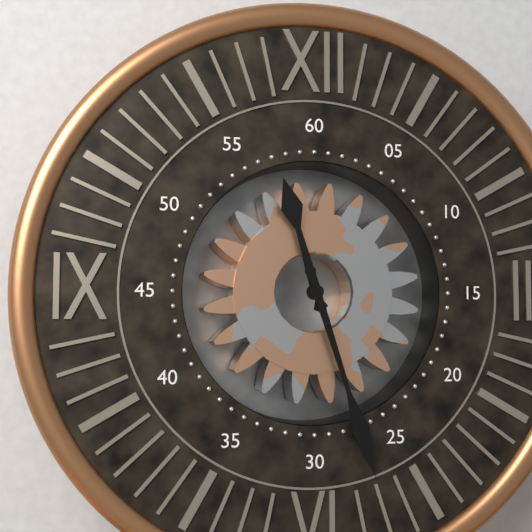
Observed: 11.27
